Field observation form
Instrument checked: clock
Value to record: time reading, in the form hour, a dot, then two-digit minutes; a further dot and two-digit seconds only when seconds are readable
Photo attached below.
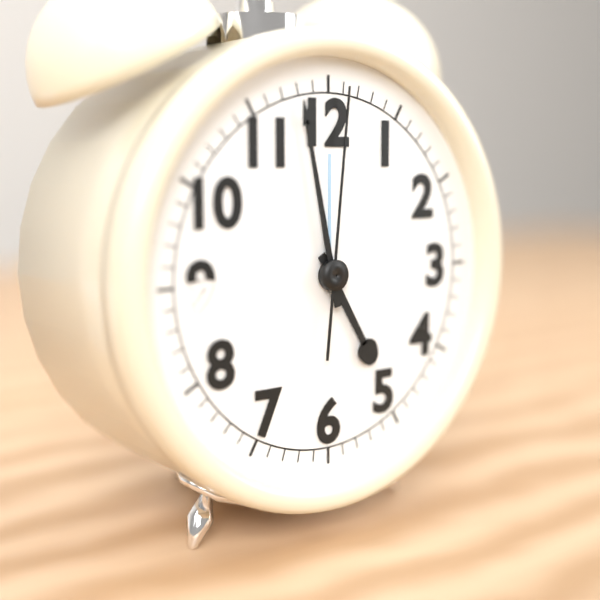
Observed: 4.58.01
